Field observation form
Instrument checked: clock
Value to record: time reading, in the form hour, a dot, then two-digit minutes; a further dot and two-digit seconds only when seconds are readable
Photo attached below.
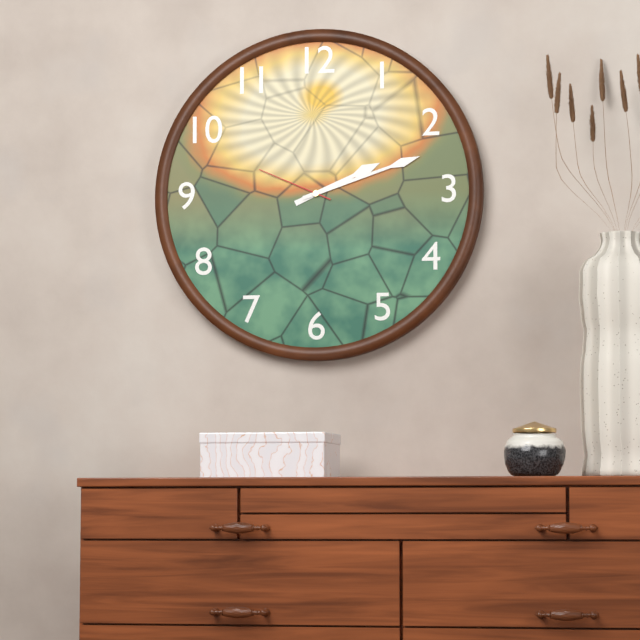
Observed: 2.12.49
